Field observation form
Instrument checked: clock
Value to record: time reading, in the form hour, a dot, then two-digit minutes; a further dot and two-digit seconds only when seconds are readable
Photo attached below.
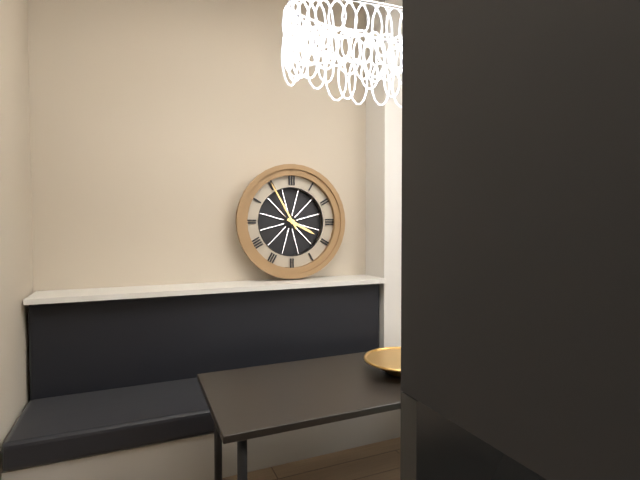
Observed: 3.55
